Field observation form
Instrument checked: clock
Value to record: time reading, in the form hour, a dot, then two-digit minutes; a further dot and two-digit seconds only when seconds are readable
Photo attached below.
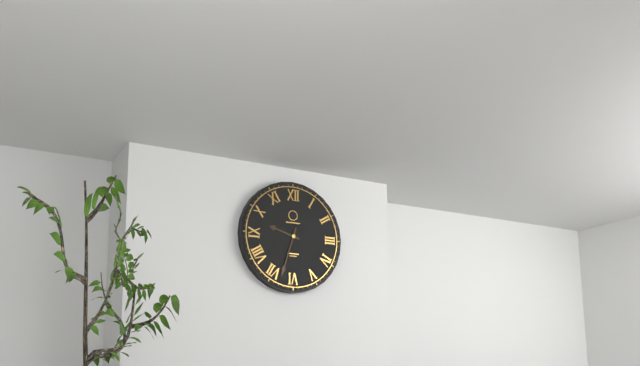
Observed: 9.33
